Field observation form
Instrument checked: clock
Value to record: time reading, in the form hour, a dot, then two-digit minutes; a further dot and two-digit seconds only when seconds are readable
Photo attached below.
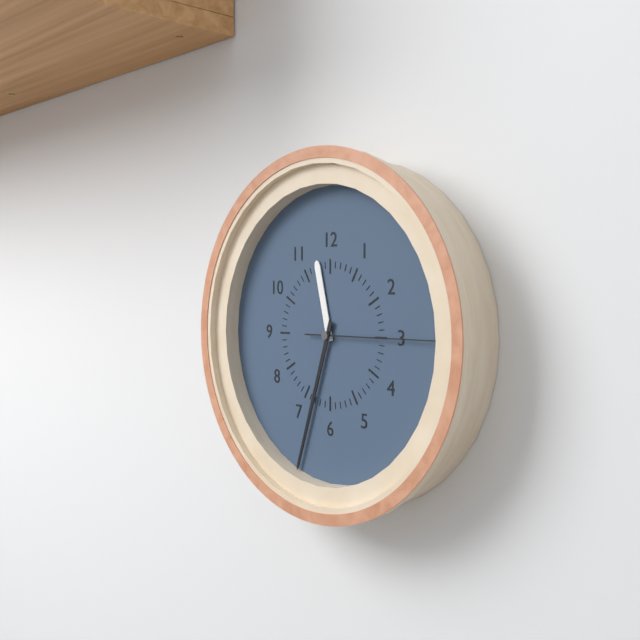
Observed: 11.33.15
